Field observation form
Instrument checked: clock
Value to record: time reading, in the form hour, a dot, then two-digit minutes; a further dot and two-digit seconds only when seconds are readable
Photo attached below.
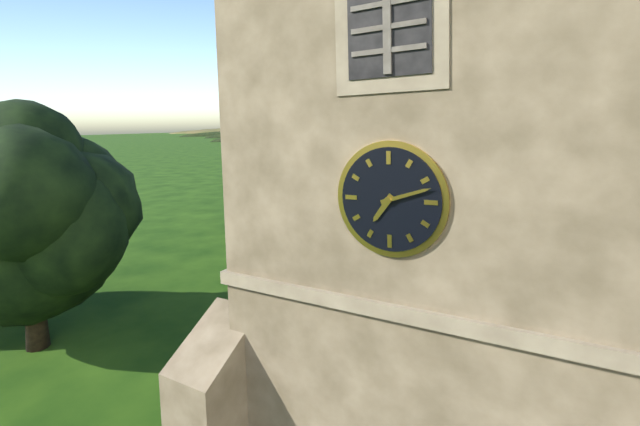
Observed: 7.12
